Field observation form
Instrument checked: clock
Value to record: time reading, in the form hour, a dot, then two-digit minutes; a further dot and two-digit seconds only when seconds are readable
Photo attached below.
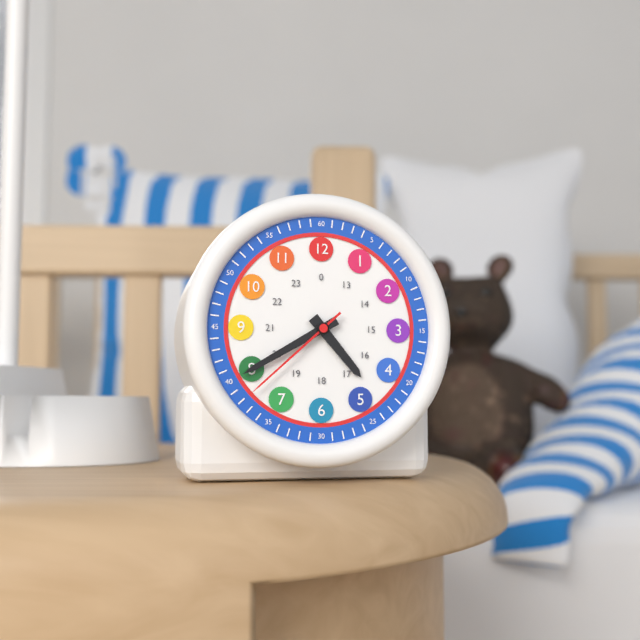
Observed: 4.40.38
